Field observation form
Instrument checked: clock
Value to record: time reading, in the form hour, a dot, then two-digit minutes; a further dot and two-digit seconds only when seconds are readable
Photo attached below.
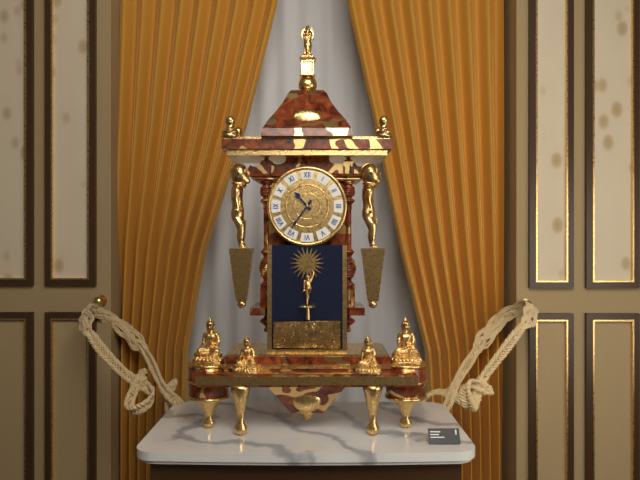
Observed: 10.36
